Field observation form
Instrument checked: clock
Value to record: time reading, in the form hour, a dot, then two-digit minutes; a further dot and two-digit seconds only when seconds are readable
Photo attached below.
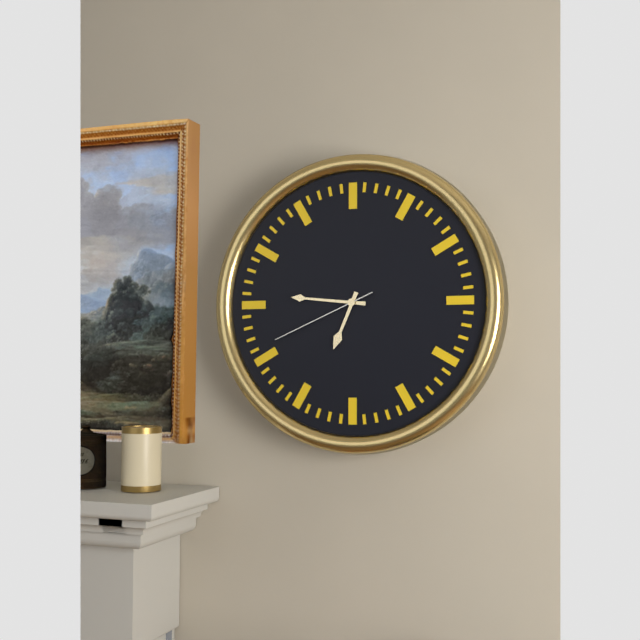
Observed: 6.46.41
